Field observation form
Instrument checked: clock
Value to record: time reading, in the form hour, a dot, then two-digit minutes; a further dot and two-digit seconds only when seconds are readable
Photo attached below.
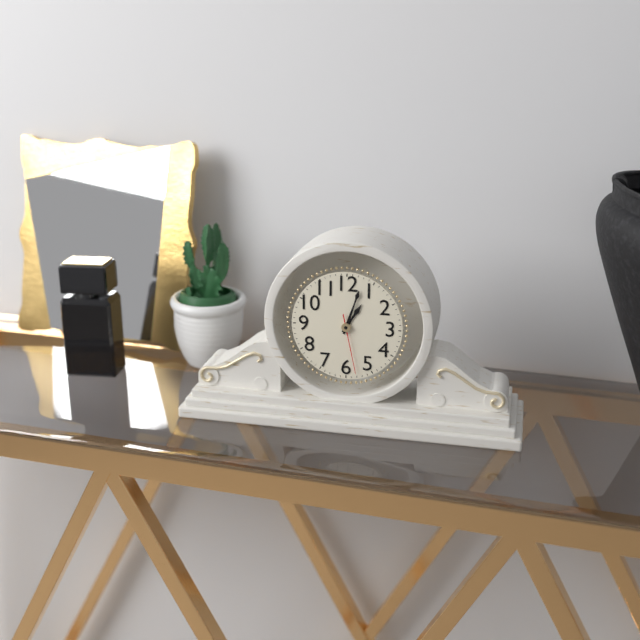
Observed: 1.03.28
